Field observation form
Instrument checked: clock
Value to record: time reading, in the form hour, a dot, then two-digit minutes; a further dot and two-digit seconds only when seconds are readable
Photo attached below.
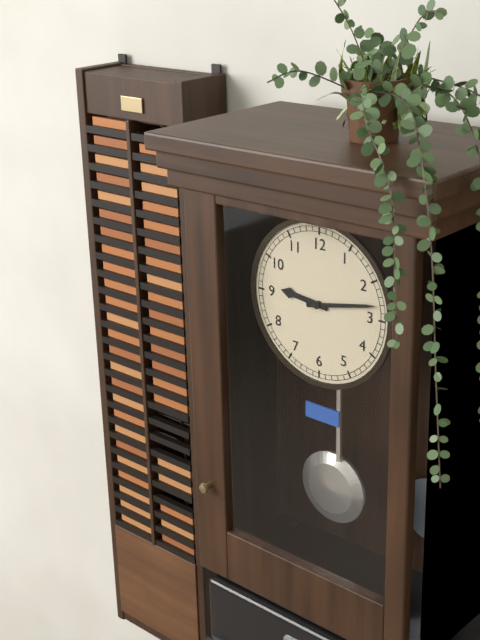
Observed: 9.13
